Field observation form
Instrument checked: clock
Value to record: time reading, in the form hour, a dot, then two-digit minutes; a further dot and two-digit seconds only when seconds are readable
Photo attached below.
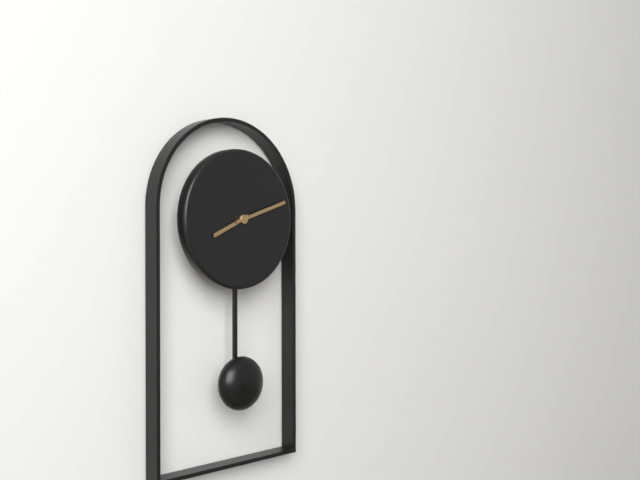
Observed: 8.12
